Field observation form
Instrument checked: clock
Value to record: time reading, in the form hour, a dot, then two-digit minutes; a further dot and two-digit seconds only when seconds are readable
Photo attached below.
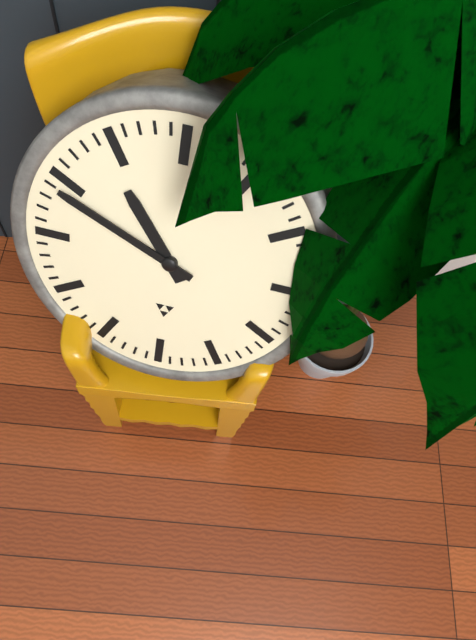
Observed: 10.49
